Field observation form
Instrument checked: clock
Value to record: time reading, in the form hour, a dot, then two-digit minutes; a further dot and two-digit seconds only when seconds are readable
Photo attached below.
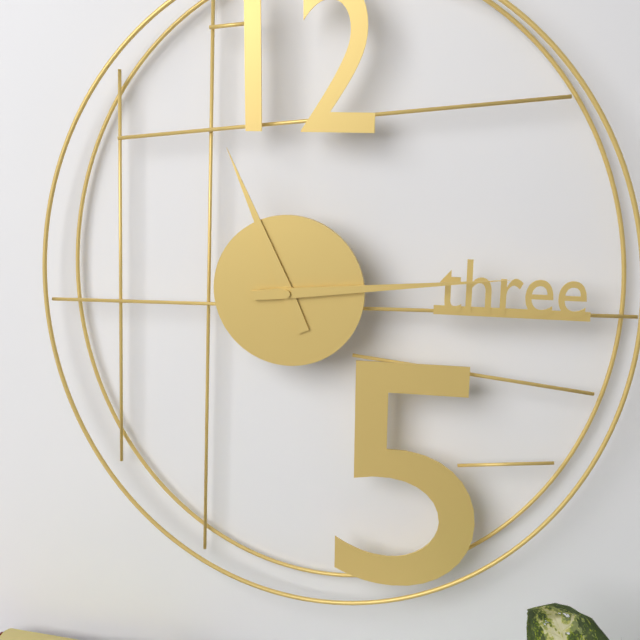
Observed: 11.14
